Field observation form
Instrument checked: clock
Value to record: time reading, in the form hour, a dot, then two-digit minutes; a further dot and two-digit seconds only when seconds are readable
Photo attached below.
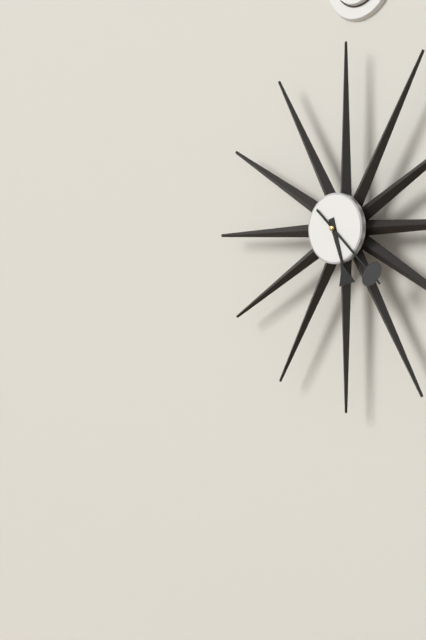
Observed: 5.22
